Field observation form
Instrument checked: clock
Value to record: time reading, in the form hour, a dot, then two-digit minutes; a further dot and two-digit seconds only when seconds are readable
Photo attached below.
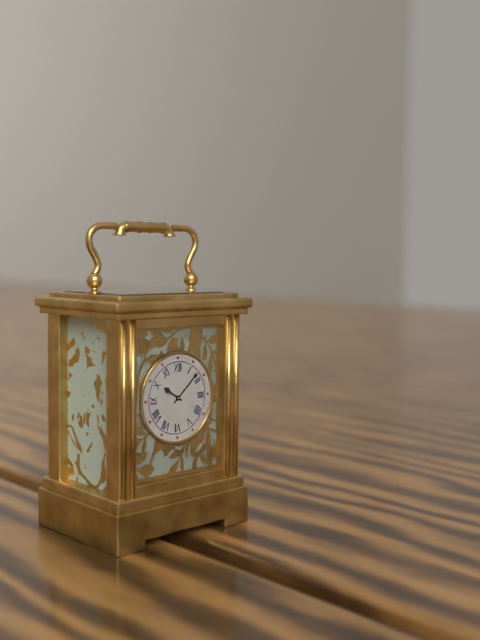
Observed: 10.08
